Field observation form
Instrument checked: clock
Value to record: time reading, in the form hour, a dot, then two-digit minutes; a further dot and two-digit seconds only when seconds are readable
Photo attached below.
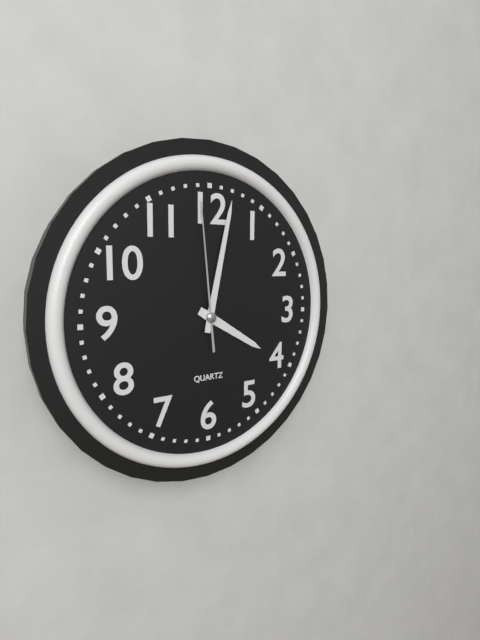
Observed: 4.02.59
